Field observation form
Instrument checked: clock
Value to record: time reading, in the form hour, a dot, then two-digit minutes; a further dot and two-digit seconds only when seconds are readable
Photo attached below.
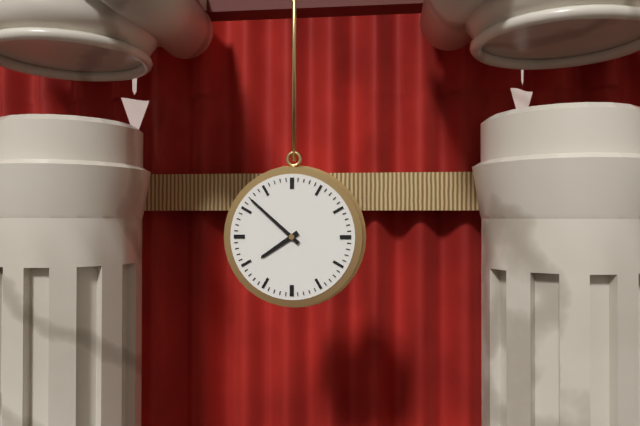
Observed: 7.52
